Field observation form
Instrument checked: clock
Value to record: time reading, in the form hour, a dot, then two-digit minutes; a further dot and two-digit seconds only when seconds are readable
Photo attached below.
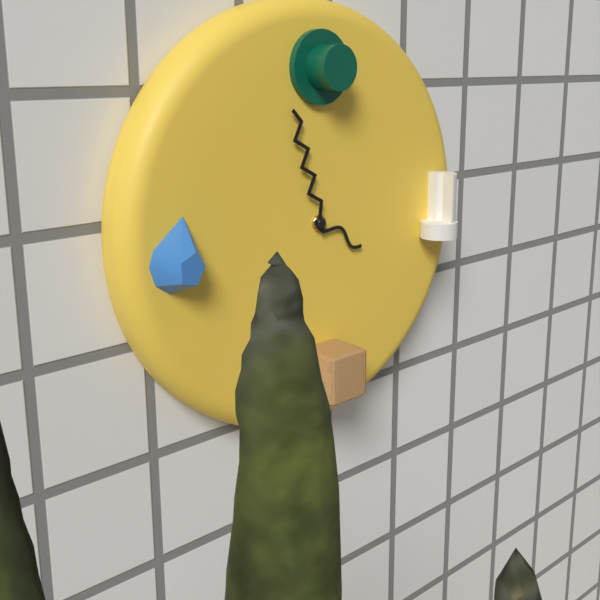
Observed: 3.57
